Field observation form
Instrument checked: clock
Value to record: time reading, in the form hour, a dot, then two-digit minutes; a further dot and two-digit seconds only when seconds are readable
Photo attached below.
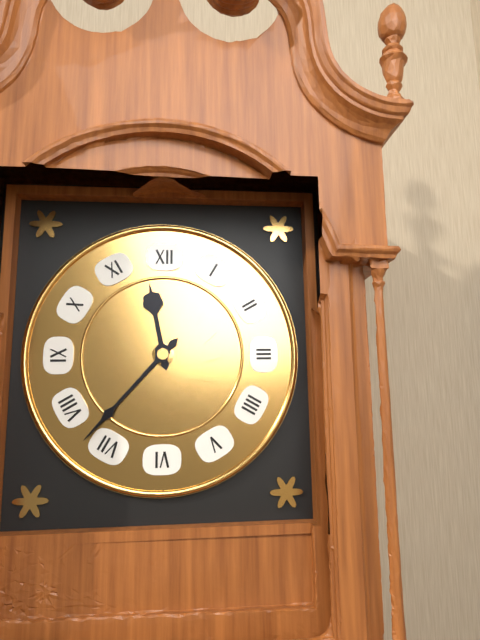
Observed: 11.37
